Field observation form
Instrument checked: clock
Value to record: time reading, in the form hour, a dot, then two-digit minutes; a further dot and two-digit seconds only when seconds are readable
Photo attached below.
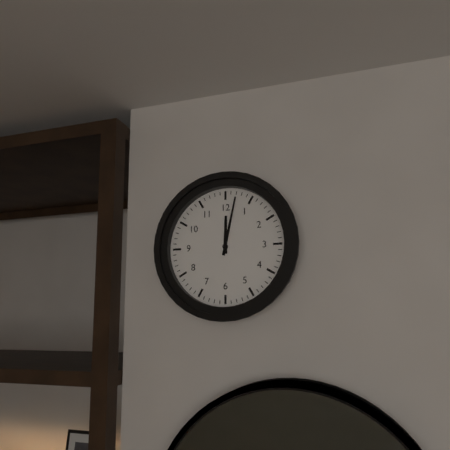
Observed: 12.02
